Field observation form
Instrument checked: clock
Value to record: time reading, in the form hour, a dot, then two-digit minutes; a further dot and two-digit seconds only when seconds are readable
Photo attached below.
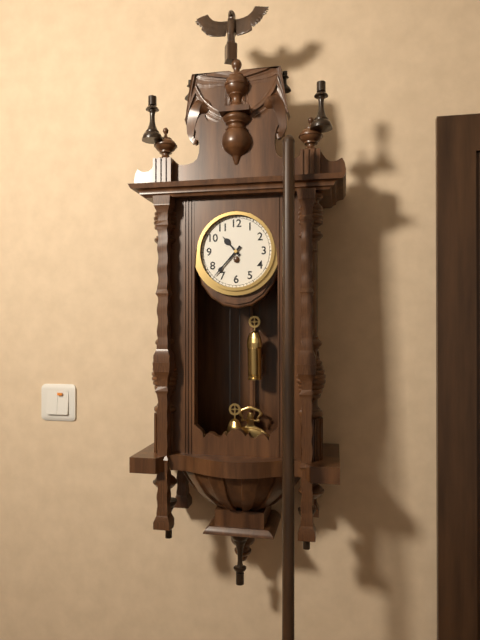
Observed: 10.37
